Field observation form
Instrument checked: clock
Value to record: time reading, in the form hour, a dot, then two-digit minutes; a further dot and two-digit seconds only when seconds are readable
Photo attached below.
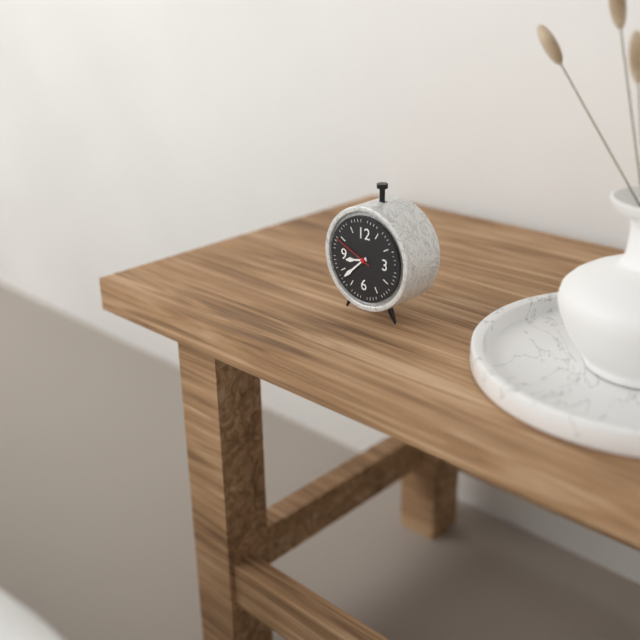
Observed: 8.38
